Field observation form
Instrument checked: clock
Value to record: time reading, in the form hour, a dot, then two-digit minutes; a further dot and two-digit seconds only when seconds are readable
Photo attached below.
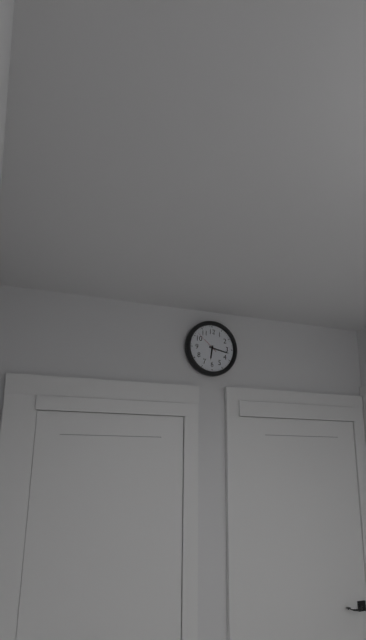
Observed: 6.17
